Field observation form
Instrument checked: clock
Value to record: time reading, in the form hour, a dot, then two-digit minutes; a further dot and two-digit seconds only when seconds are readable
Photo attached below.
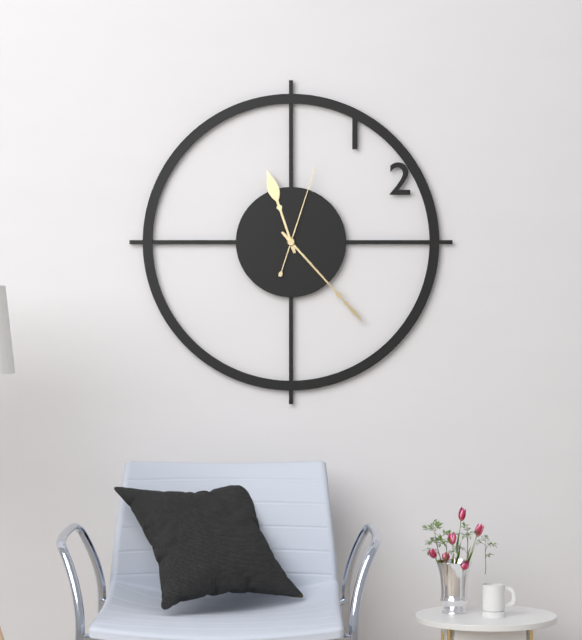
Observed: 11.23.03
